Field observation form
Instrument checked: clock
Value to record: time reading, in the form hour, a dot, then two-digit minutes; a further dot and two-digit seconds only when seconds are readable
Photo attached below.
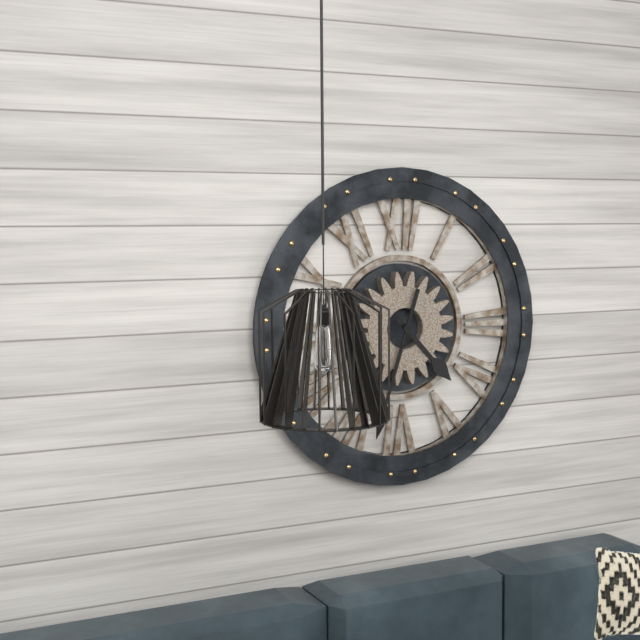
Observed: 4.33
